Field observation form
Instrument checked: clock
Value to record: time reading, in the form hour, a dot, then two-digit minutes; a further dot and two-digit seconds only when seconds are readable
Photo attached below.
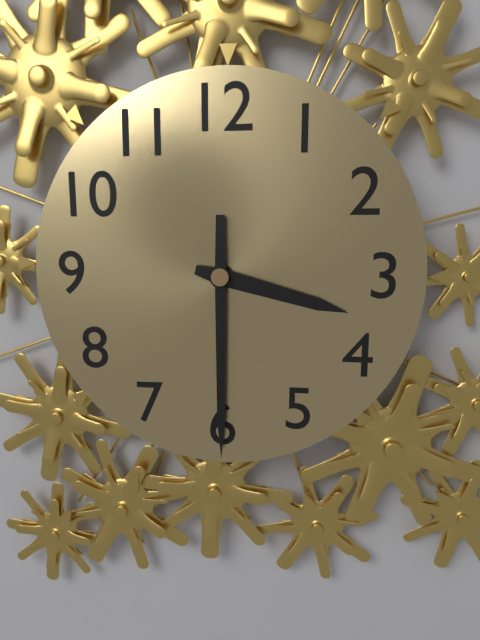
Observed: 3.30
